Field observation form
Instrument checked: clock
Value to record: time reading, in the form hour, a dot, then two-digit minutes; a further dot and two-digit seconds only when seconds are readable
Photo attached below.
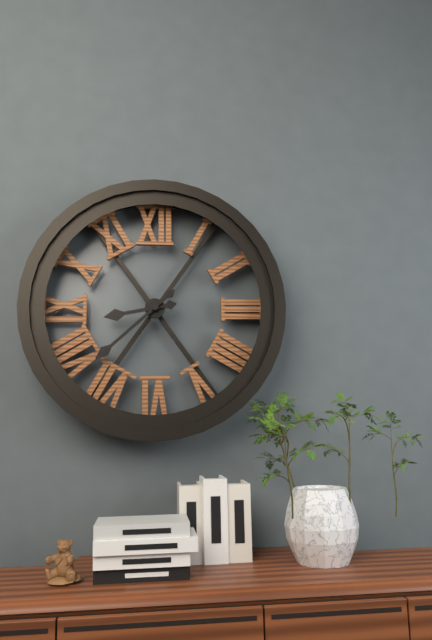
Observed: 8.38
